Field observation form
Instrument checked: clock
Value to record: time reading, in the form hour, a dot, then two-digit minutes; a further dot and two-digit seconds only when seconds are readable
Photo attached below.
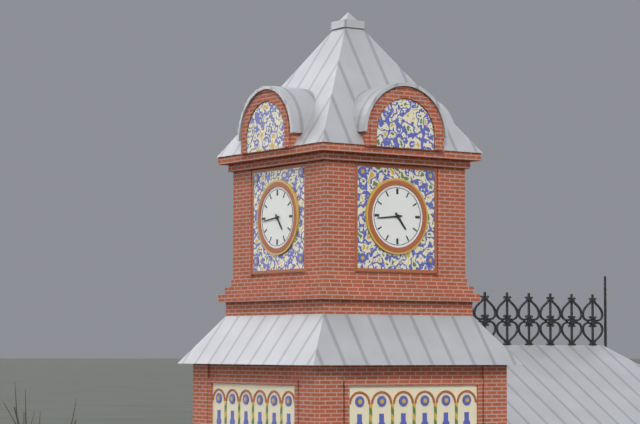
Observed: 4.44
